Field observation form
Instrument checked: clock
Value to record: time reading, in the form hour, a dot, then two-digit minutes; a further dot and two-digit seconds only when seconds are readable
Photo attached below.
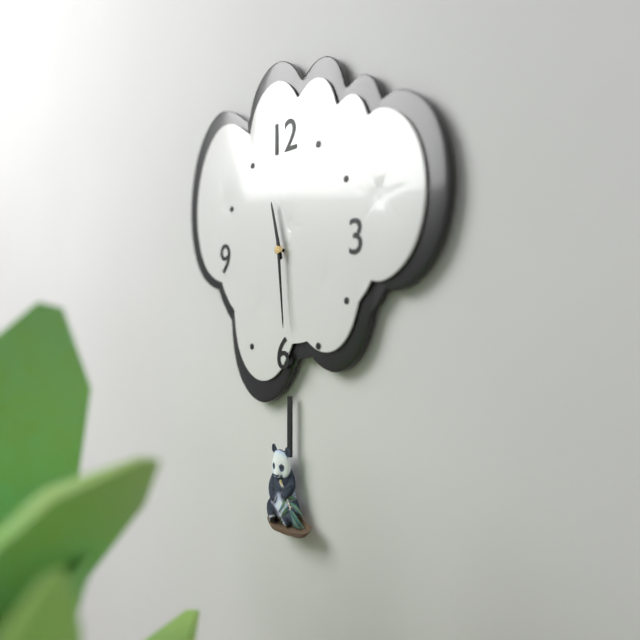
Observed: 11.29
